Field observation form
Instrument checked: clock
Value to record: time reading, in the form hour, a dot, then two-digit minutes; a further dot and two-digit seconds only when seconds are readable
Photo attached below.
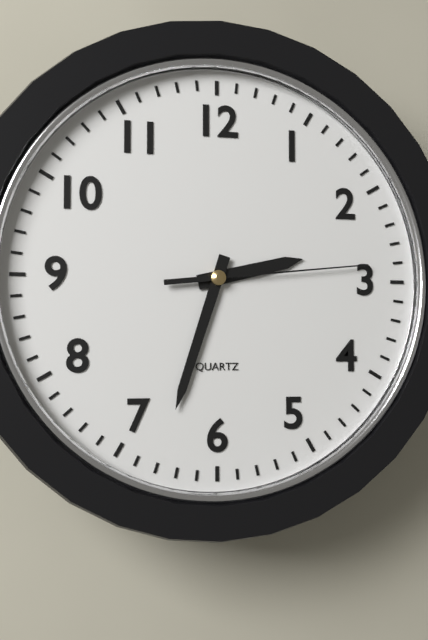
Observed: 2.33.14
